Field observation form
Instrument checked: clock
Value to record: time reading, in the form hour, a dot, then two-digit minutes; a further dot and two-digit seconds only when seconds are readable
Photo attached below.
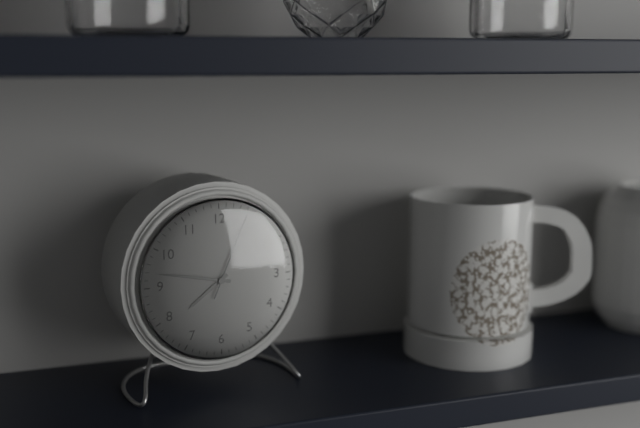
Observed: 7.47.04
